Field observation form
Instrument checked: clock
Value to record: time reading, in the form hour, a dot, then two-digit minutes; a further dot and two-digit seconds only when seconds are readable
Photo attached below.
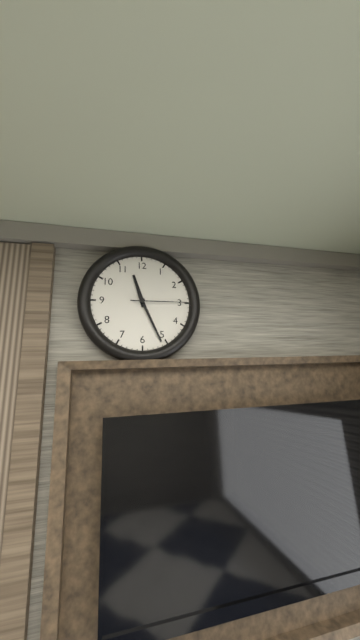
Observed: 11.26.15
